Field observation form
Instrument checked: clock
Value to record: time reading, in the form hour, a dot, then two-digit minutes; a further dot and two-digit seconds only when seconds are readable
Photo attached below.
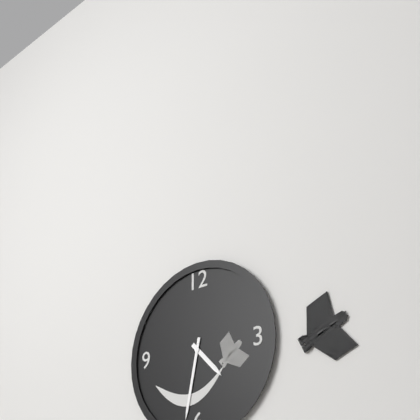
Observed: 4.32
